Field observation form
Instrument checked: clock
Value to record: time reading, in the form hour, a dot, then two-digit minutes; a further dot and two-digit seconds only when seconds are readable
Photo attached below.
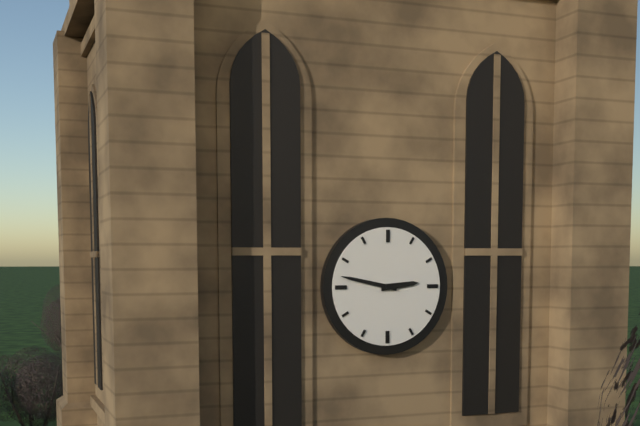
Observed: 2.47
